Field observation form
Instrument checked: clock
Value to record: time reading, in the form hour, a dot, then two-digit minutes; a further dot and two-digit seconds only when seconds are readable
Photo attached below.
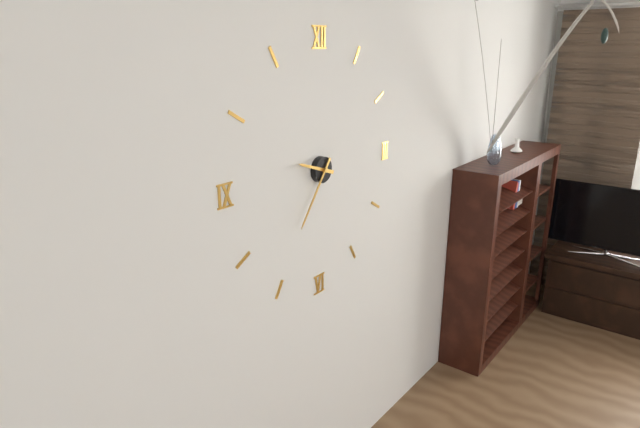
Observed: 9.36
